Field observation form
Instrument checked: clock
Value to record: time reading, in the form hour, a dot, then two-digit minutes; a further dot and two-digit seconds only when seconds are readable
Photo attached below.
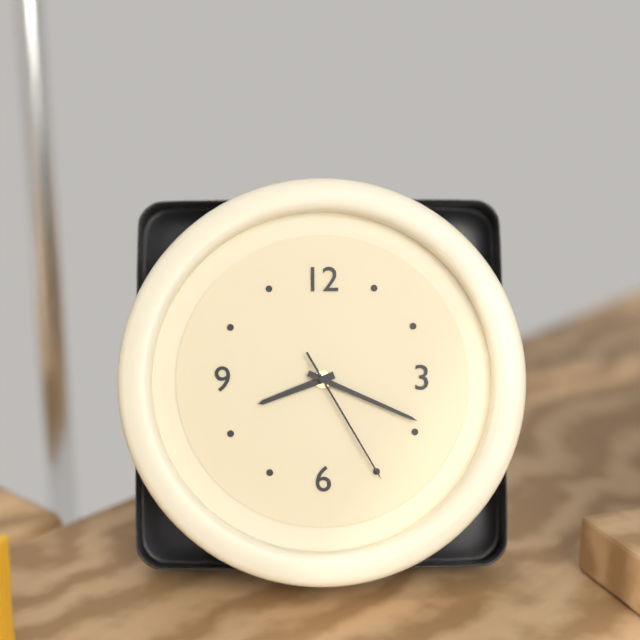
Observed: 8.19.25
